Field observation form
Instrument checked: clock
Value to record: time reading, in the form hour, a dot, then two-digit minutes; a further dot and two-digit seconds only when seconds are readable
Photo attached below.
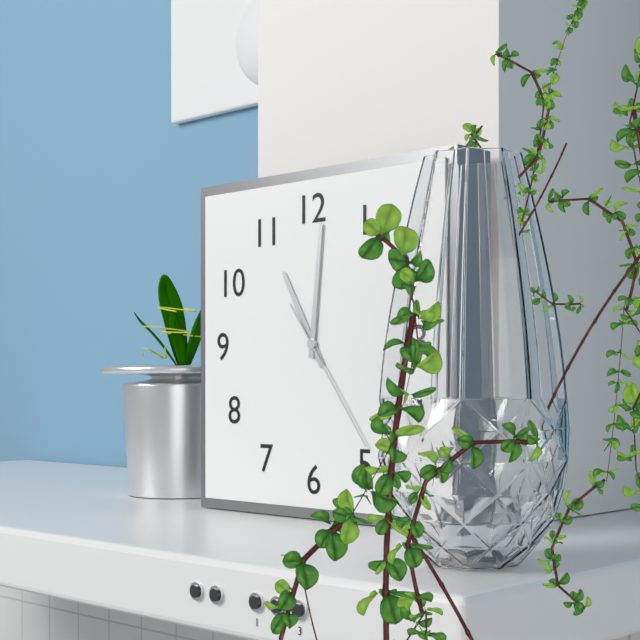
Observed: 11.01.24
